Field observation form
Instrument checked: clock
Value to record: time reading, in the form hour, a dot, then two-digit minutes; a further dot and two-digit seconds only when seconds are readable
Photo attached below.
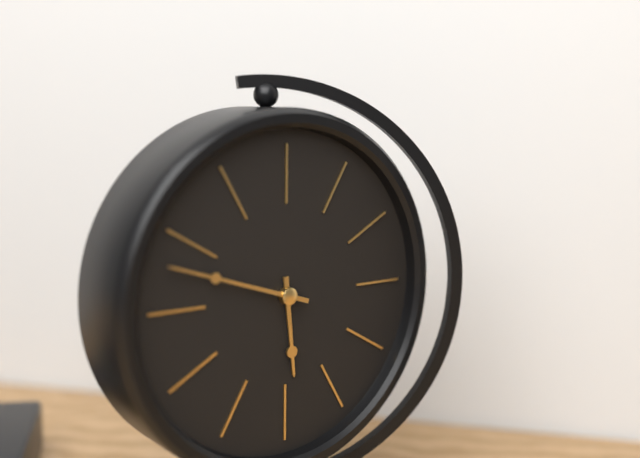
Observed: 5.48
